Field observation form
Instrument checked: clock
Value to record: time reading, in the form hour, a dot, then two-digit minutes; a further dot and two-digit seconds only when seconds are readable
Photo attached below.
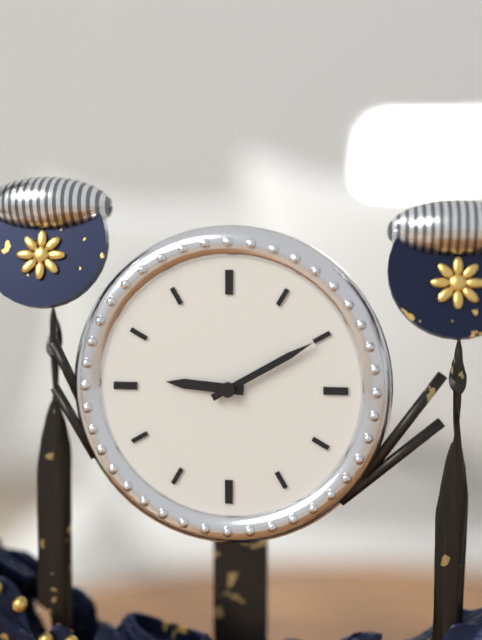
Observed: 9.10
